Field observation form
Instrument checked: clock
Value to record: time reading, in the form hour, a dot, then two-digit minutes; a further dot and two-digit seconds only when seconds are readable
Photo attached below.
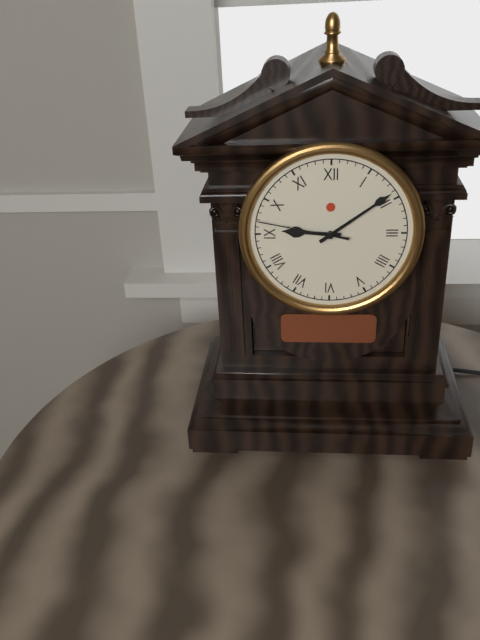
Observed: 9.09.47
